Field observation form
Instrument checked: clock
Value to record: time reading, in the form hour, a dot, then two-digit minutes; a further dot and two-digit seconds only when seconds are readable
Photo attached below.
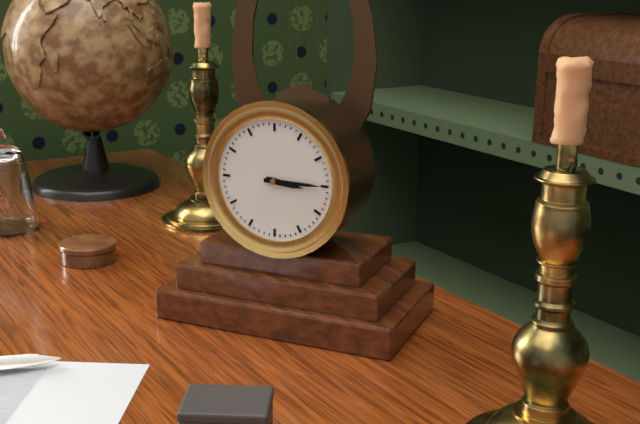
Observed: 3.15
